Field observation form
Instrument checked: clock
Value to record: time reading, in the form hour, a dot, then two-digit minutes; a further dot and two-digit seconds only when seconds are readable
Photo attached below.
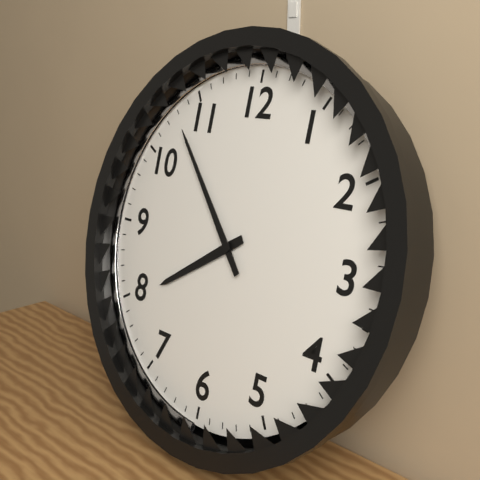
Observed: 7.53
